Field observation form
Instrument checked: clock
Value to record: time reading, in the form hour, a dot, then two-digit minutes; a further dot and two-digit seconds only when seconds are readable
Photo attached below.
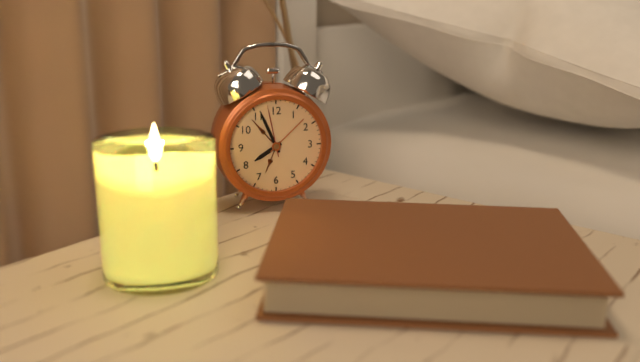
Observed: 7.56.58
